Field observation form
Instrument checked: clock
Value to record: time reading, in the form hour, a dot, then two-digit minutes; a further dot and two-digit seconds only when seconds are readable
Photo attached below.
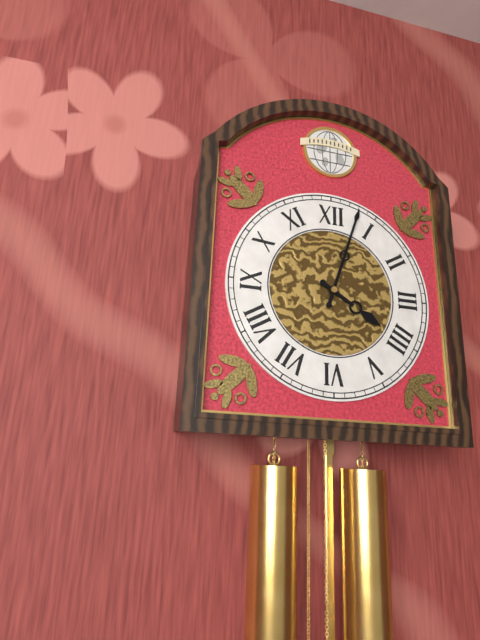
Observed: 4.03
